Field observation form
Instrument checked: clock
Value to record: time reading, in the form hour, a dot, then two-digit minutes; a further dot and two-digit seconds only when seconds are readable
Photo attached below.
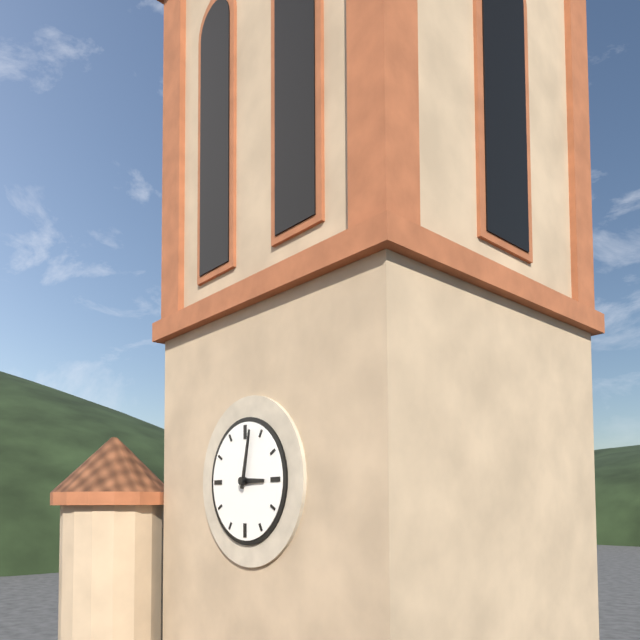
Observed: 3.02
